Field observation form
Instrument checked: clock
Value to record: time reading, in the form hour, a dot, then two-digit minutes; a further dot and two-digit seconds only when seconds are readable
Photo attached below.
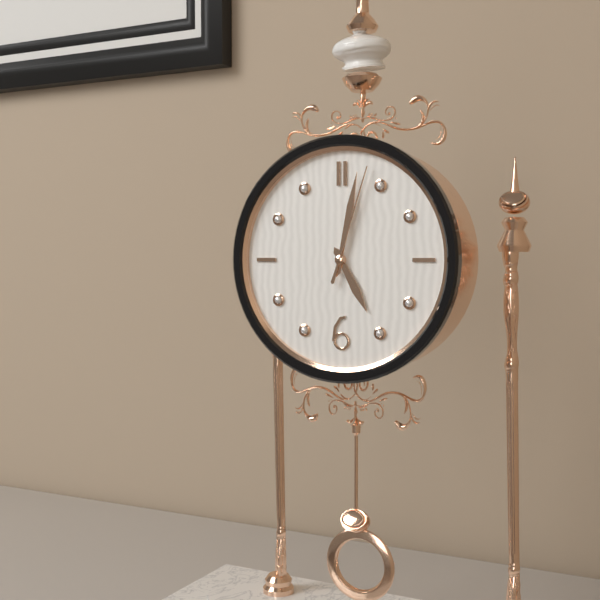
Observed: 5.02.03
